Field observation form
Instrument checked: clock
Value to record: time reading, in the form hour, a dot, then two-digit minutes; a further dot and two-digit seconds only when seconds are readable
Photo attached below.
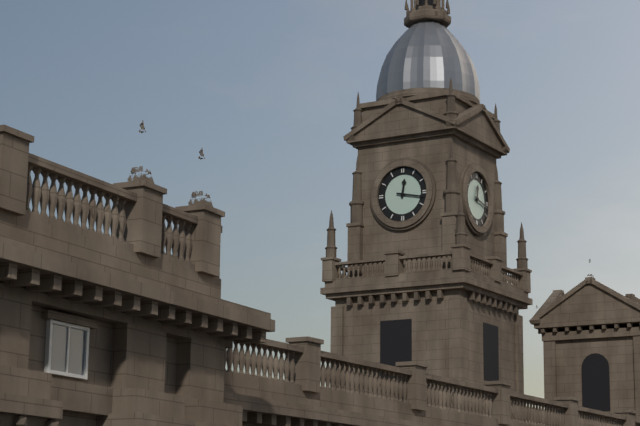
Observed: 12.17
